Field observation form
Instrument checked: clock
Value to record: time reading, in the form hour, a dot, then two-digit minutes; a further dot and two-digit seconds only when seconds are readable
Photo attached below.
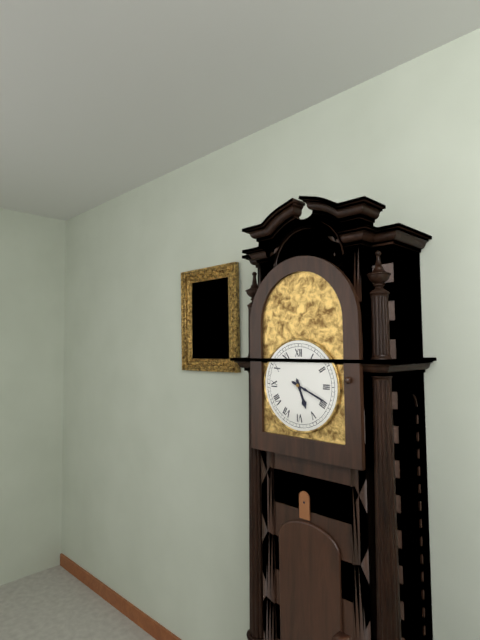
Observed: 5.19
